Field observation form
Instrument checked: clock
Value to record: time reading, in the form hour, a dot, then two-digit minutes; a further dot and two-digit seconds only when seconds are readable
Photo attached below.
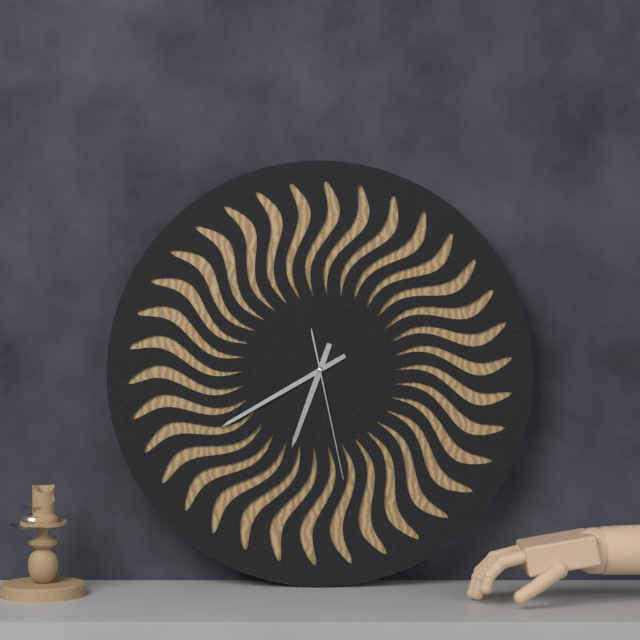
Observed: 6.40.28
